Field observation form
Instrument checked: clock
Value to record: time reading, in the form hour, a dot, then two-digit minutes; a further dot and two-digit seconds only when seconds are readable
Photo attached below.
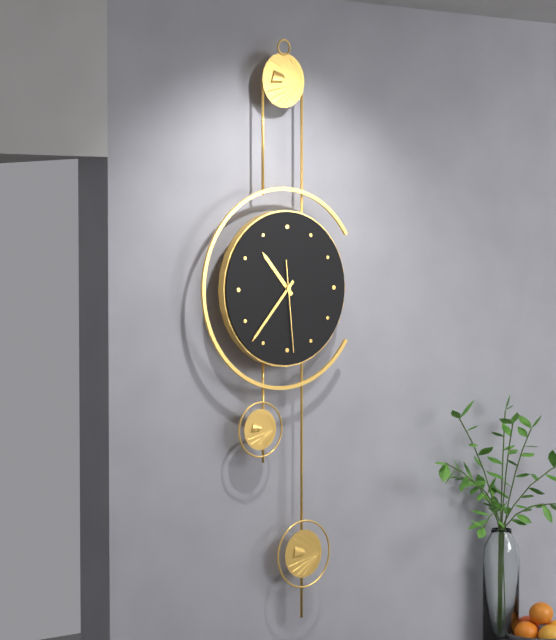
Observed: 10.37.29
